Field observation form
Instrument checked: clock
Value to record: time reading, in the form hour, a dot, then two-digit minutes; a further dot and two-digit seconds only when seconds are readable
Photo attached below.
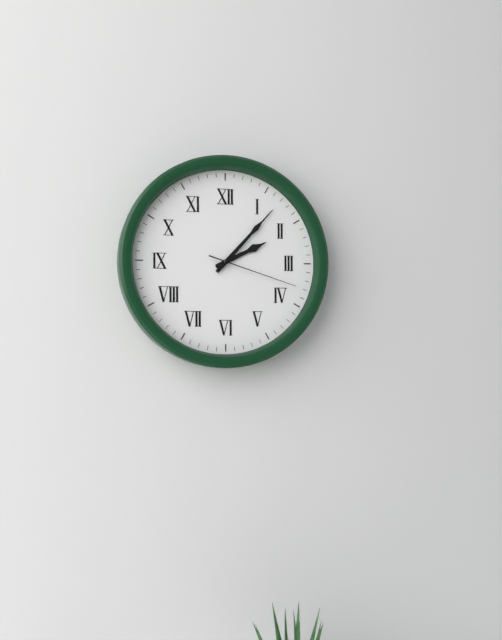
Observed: 2.07.18
